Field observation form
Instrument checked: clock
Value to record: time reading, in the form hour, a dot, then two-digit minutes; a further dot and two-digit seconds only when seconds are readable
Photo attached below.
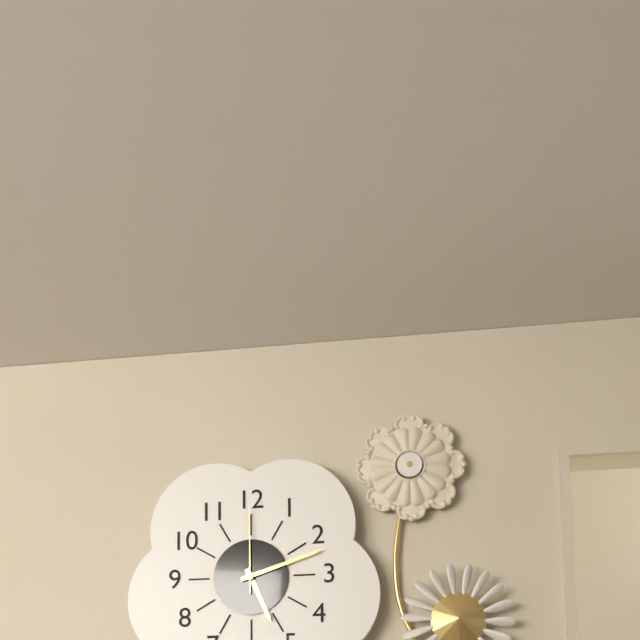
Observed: 5.12.00
